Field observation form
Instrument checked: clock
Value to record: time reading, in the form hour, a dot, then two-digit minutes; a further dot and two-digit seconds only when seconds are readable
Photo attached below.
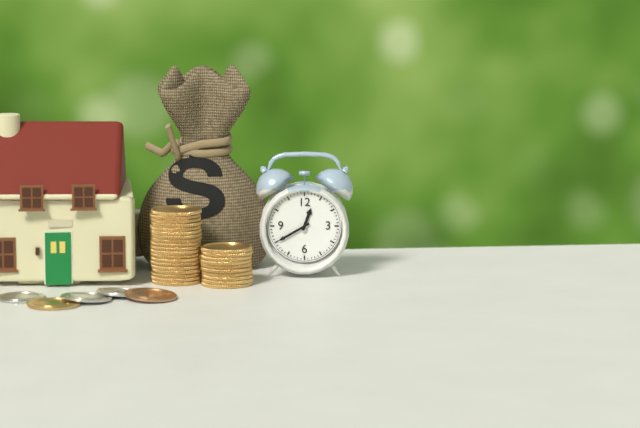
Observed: 12.40
